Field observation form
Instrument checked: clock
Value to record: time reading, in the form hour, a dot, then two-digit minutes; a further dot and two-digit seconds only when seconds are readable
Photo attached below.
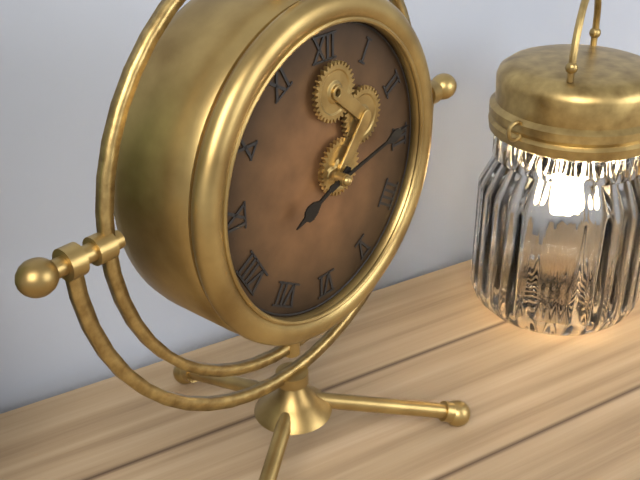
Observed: 8.13
